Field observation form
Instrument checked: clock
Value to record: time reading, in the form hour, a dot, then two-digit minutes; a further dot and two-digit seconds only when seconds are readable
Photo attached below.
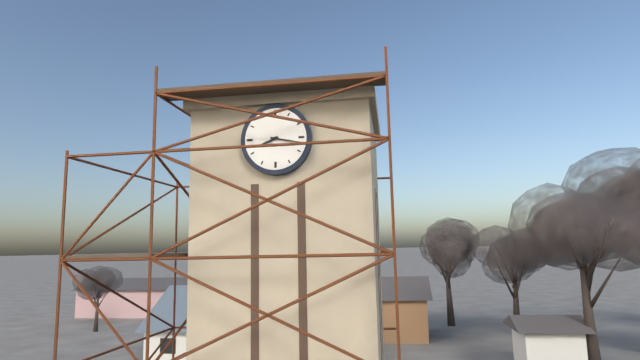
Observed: 8.17
